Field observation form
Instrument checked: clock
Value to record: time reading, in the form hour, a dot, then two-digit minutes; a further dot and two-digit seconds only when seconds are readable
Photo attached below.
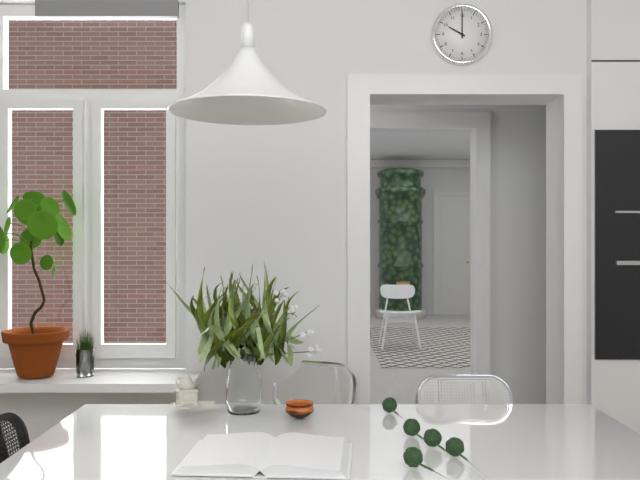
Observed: 10.00
